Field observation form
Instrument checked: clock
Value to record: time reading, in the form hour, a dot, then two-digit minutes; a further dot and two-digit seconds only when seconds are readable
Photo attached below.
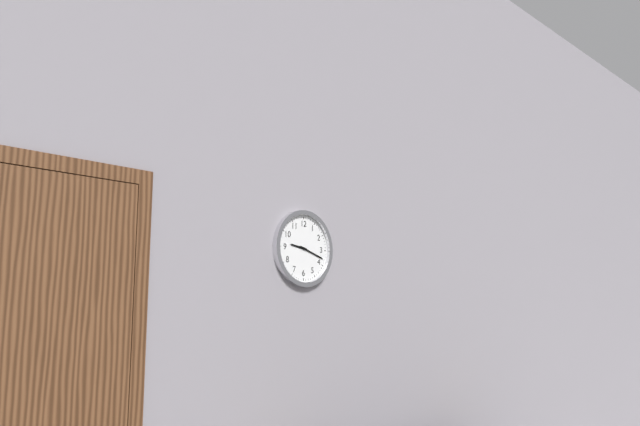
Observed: 9.18
